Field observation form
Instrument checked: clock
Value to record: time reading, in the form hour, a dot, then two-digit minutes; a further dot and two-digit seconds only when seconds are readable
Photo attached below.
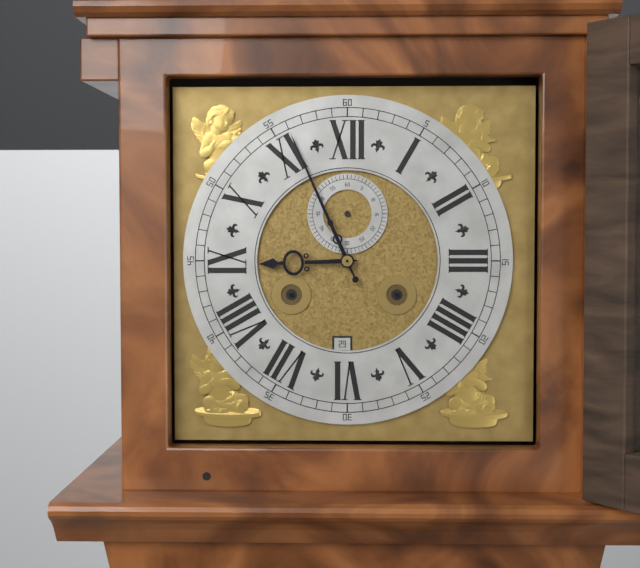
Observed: 8.56
